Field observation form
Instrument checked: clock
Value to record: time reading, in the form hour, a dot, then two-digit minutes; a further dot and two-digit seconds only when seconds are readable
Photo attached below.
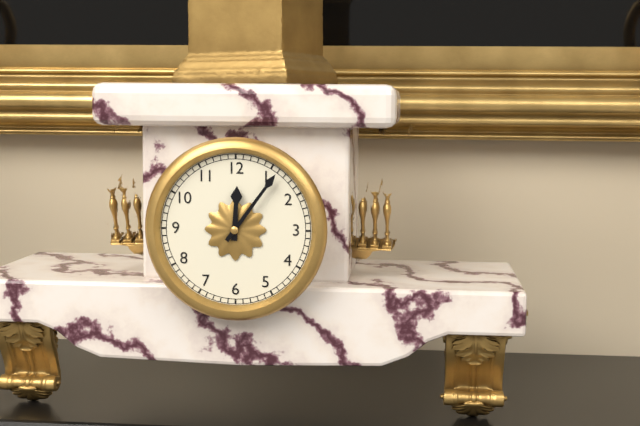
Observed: 12.06
